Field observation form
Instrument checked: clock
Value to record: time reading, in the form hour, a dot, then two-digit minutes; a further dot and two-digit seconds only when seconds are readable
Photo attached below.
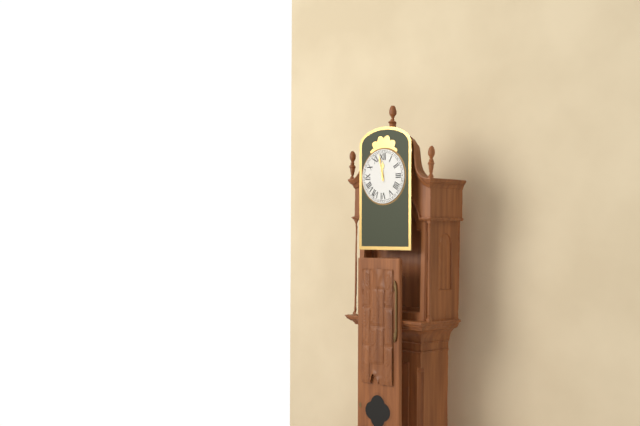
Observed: 11.58
